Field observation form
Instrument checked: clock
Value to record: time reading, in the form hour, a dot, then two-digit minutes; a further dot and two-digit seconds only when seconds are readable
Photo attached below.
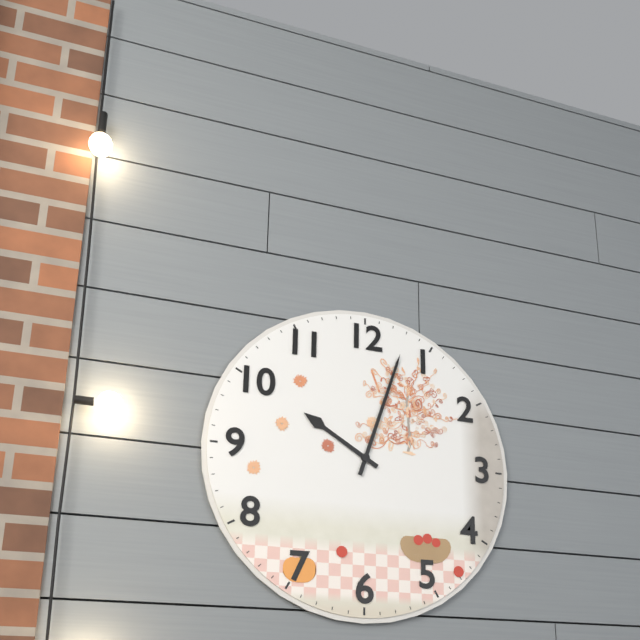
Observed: 10.03
